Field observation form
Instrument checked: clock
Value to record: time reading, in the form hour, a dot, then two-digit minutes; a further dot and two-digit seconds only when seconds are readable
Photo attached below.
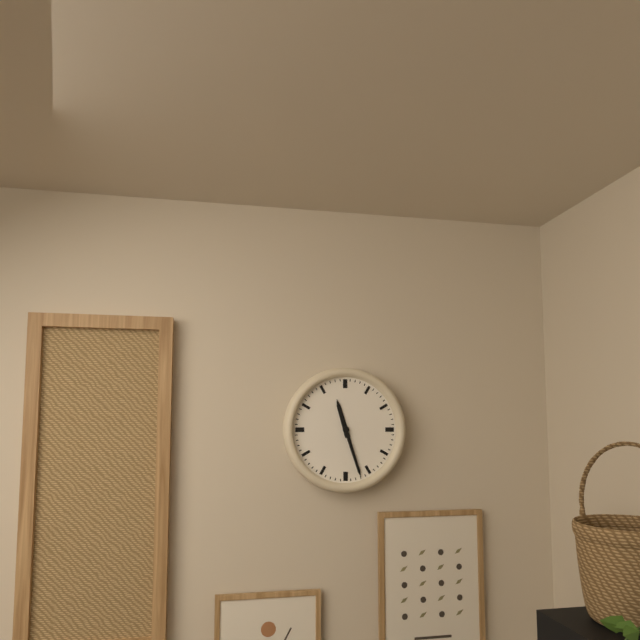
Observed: 11.27
